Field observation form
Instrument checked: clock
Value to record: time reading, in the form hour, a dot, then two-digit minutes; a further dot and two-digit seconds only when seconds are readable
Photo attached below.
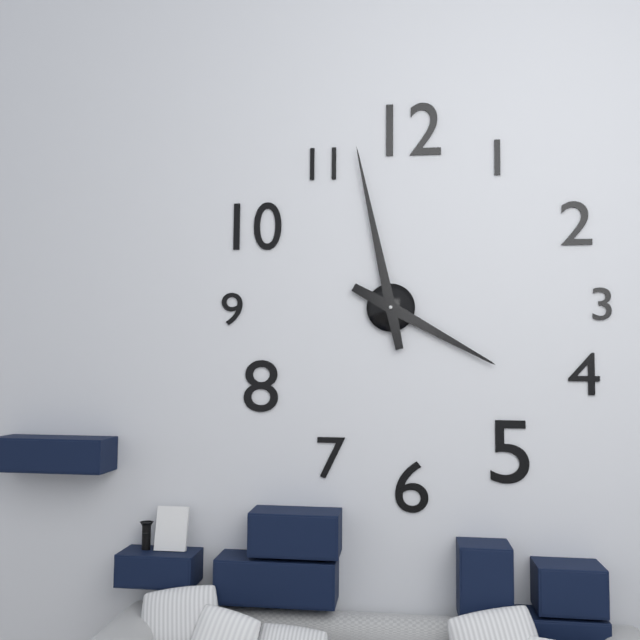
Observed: 3.58
